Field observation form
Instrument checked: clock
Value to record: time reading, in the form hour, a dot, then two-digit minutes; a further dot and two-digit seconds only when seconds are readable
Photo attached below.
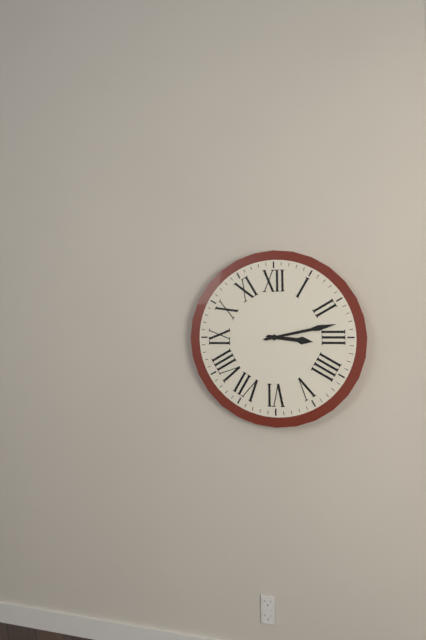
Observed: 3.13
